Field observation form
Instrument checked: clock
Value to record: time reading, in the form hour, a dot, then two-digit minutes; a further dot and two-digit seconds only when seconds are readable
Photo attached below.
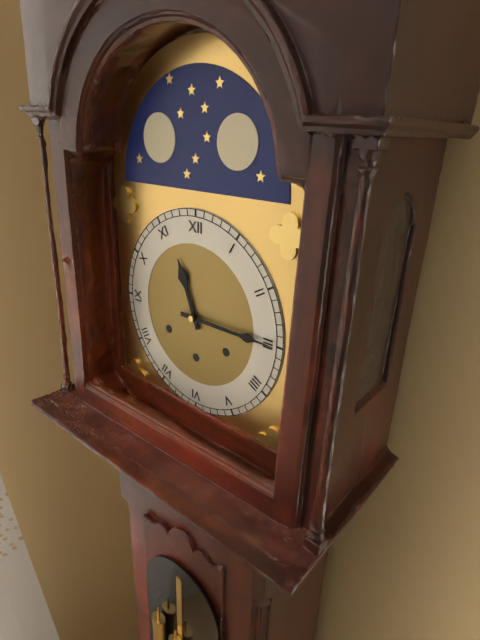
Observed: 11.15
